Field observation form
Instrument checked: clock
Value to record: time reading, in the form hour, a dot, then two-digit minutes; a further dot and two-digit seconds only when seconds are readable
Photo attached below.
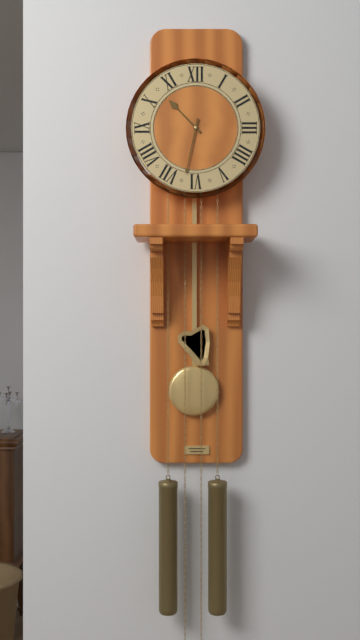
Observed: 10.32
